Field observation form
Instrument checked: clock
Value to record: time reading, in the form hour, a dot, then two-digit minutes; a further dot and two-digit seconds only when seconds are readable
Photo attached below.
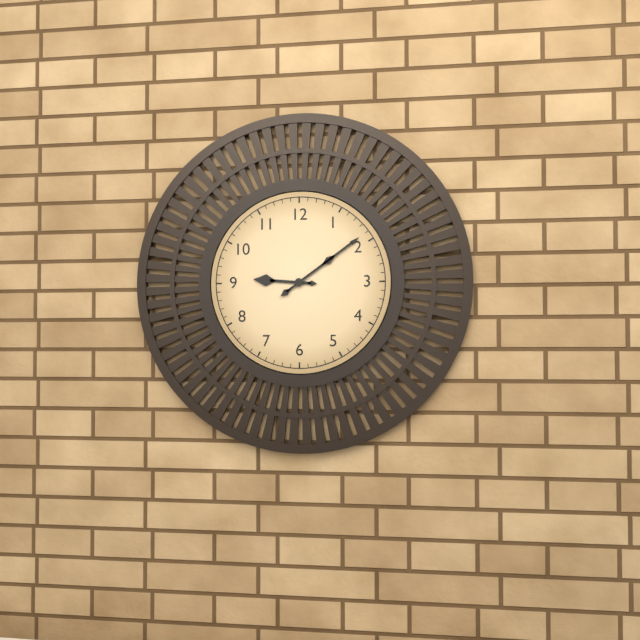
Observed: 9.09
